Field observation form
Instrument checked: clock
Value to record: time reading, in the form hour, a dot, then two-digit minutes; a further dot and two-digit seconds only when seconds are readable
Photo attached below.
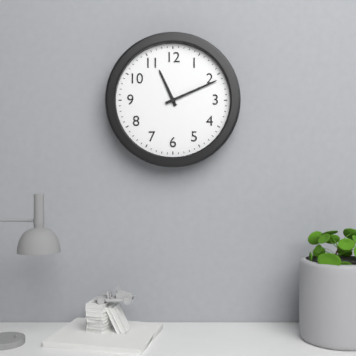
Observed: 11.11
